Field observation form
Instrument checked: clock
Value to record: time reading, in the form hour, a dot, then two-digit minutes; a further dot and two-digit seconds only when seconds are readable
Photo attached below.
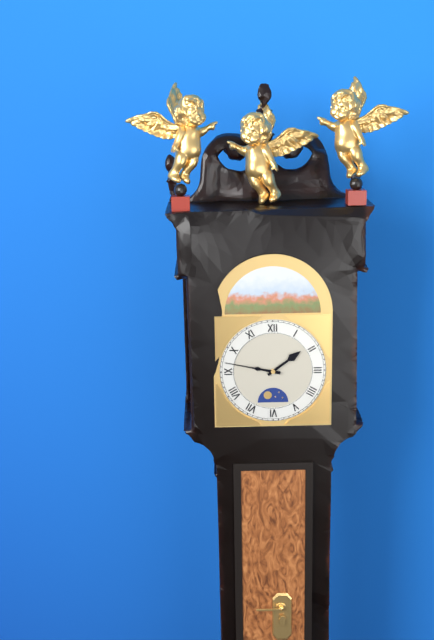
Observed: 1.47
